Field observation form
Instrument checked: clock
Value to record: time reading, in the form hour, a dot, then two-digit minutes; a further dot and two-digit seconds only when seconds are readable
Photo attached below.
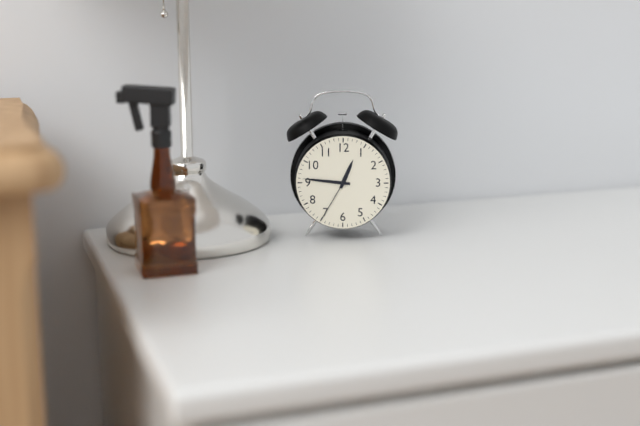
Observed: 12.46.35
